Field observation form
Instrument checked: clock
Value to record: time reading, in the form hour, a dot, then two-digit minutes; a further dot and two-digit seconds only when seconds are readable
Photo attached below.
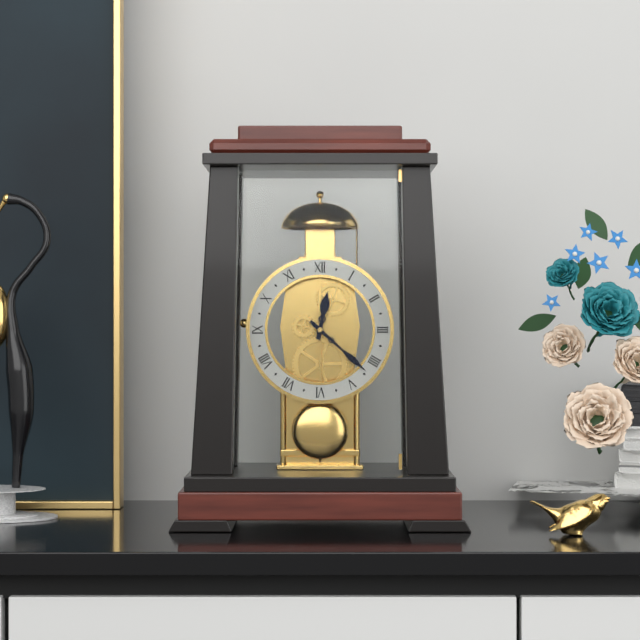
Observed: 12.22
